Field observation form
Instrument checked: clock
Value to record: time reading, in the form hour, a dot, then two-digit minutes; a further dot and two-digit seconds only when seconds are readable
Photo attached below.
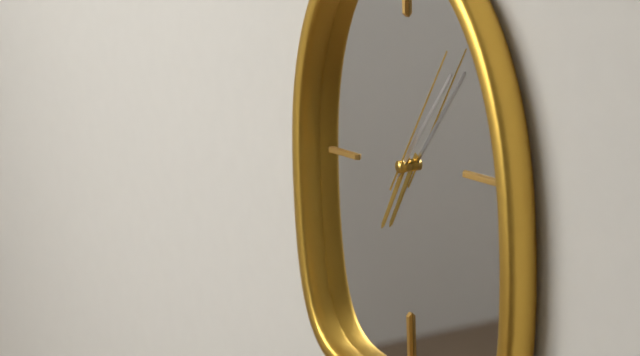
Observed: 7.07.06
